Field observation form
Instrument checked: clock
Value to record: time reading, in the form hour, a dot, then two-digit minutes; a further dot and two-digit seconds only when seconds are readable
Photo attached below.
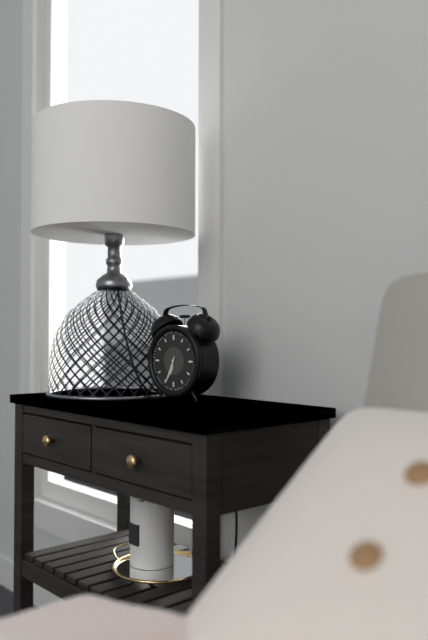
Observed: 6.34
